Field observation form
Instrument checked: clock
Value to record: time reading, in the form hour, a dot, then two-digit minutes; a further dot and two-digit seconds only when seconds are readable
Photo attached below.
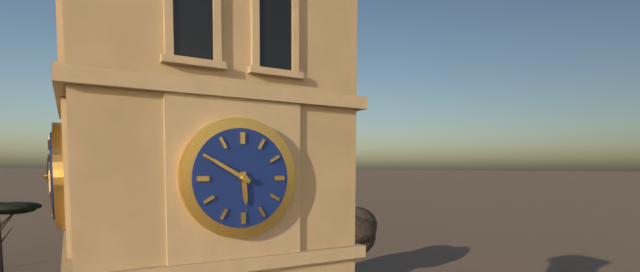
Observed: 5.50
